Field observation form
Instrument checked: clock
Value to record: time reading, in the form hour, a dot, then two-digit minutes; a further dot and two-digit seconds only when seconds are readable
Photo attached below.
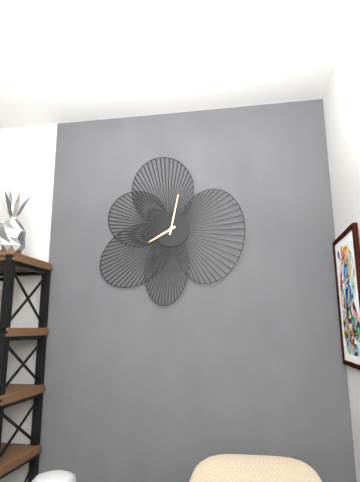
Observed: 8.02
